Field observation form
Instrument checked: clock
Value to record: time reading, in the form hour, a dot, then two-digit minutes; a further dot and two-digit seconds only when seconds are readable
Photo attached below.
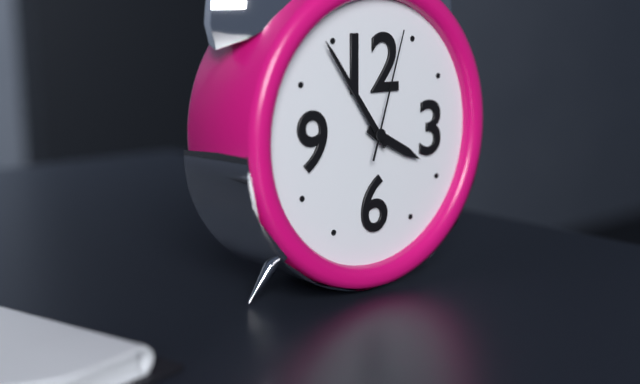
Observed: 3.54.03
